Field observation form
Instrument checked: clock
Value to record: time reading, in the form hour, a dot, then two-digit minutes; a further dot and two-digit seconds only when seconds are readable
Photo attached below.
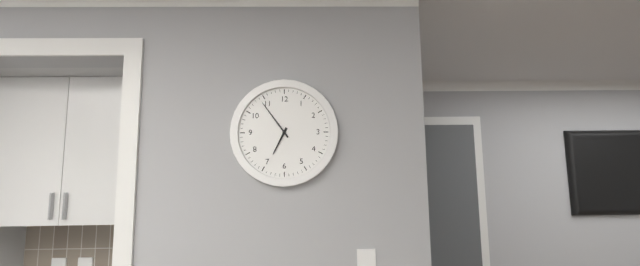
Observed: 6.54
